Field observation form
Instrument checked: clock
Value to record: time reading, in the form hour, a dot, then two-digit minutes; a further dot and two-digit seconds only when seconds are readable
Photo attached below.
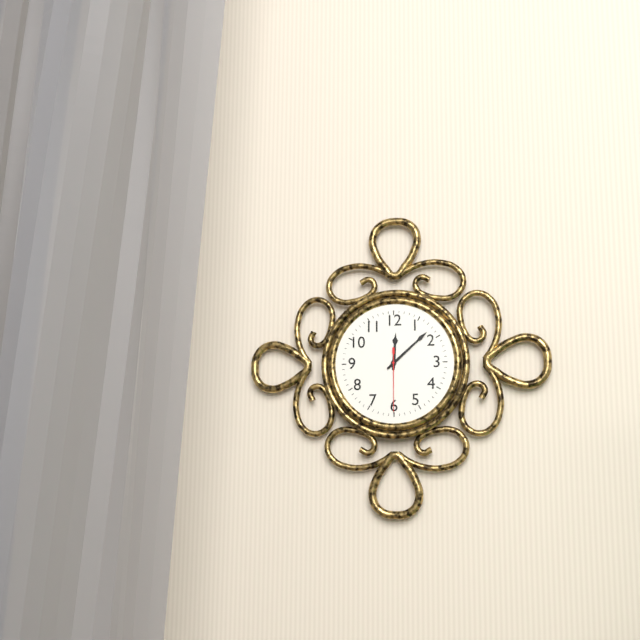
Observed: 12.08.30
